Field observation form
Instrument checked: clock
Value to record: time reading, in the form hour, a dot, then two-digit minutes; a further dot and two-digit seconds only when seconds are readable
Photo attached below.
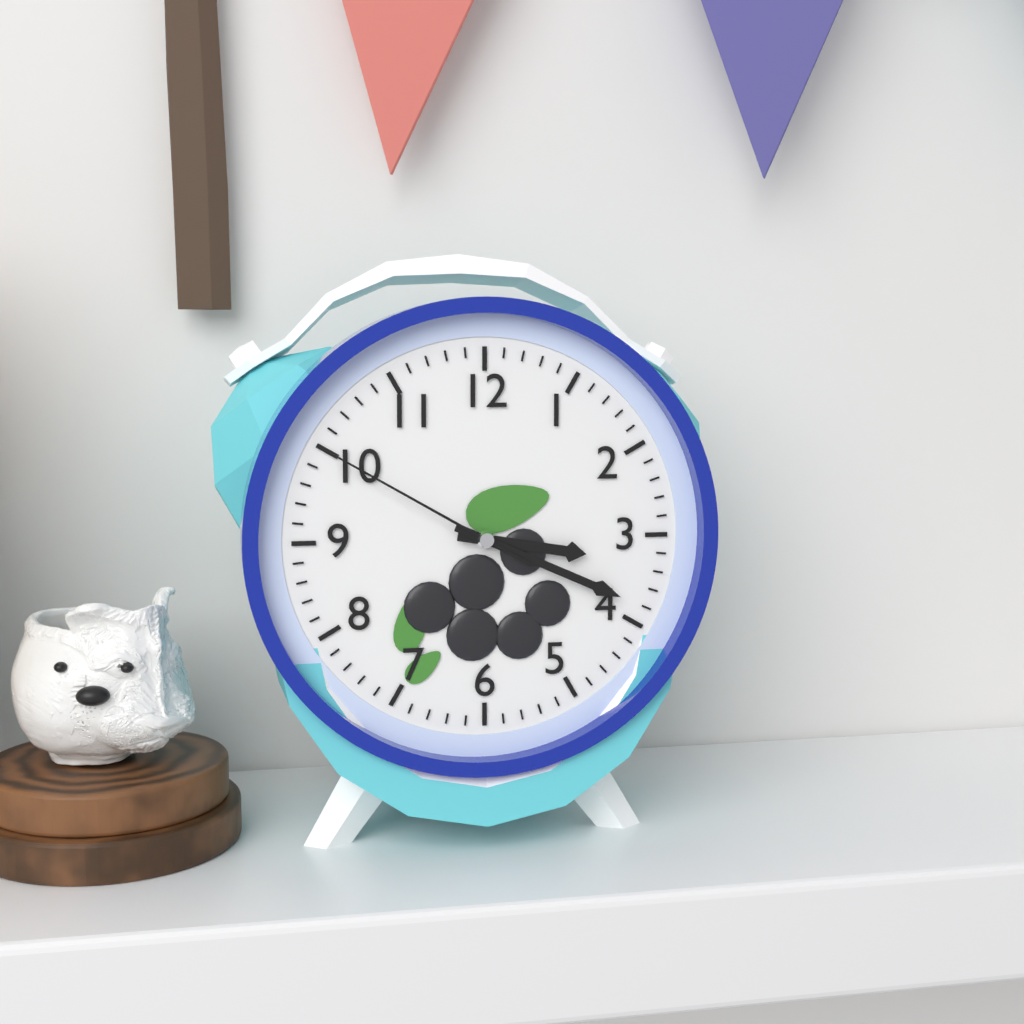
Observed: 3.19.50
